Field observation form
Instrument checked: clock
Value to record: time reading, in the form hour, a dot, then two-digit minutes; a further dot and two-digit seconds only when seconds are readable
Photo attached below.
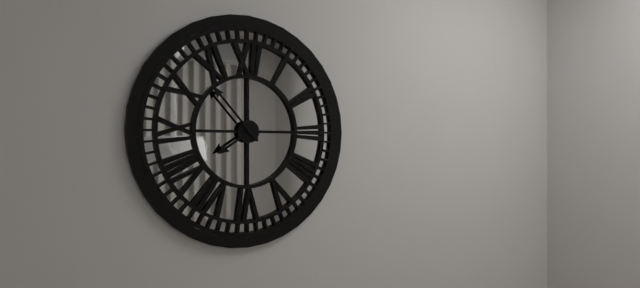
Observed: 7.53
